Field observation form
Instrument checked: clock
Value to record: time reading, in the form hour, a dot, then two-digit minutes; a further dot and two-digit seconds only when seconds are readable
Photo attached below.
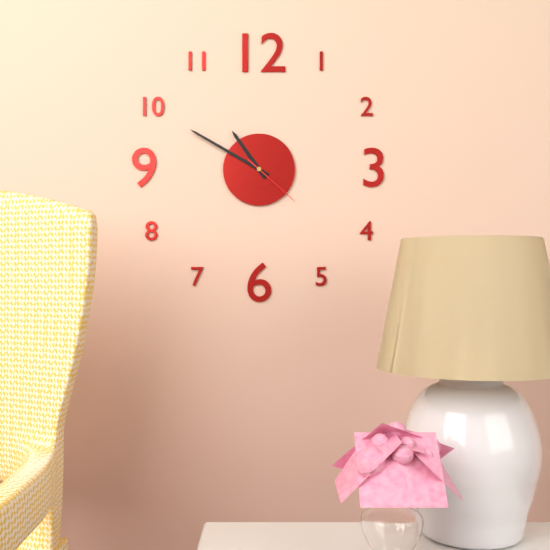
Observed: 10.50.22
